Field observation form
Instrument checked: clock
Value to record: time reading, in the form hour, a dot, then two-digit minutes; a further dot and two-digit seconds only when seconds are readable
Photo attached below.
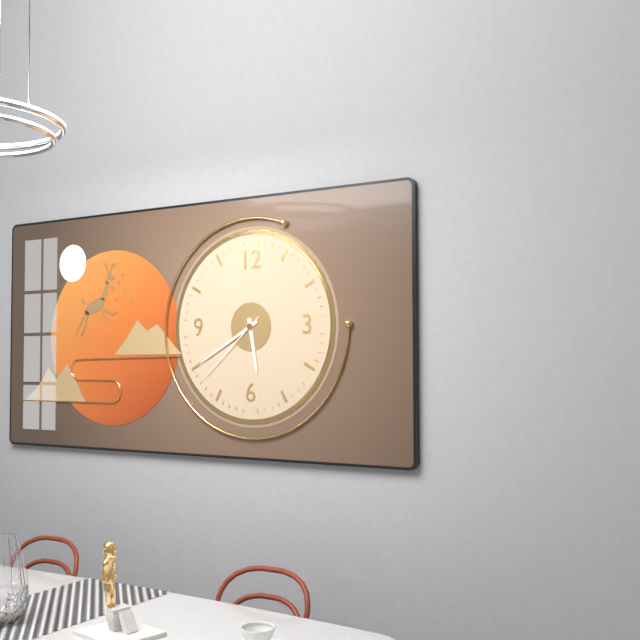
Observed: 5.40.38
